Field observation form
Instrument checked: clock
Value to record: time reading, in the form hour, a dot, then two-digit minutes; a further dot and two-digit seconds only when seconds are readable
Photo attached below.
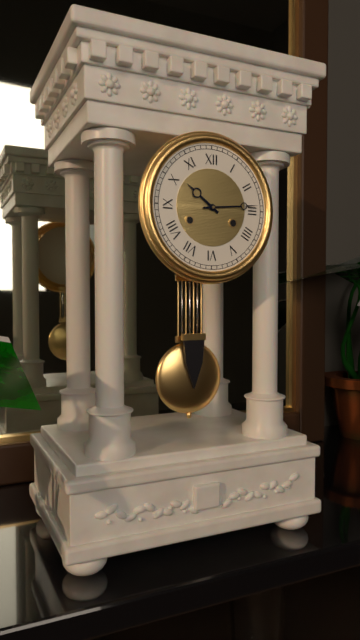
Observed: 10.14
